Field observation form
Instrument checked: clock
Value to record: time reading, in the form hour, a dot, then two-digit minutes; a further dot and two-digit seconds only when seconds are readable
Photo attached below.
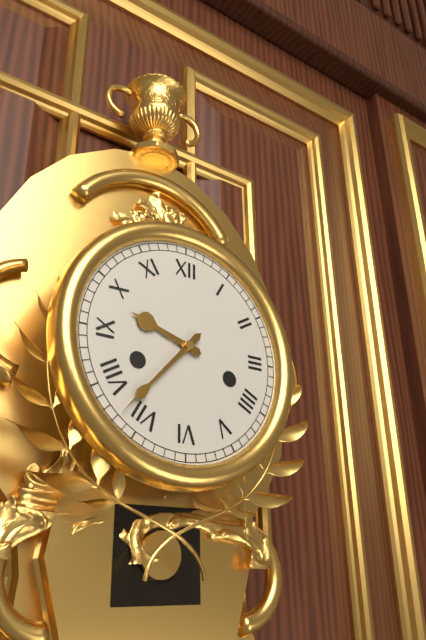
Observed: 9.37
